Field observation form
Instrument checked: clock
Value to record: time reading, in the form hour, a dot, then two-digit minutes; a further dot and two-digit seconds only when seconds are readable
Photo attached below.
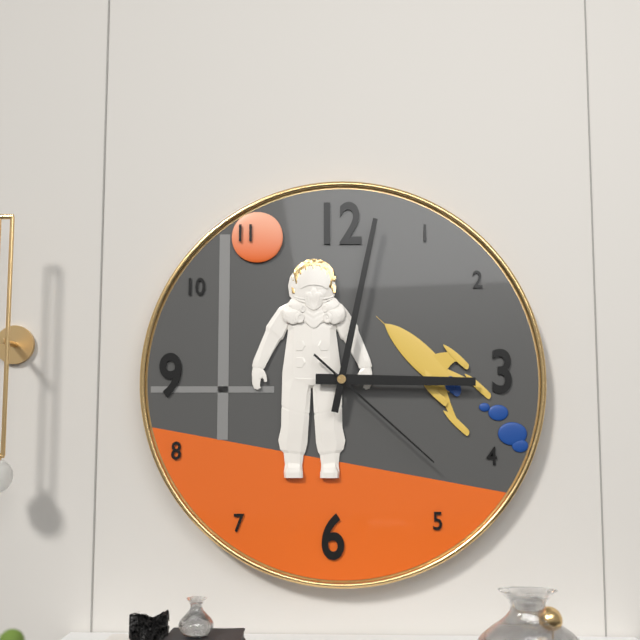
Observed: 3.02.22
